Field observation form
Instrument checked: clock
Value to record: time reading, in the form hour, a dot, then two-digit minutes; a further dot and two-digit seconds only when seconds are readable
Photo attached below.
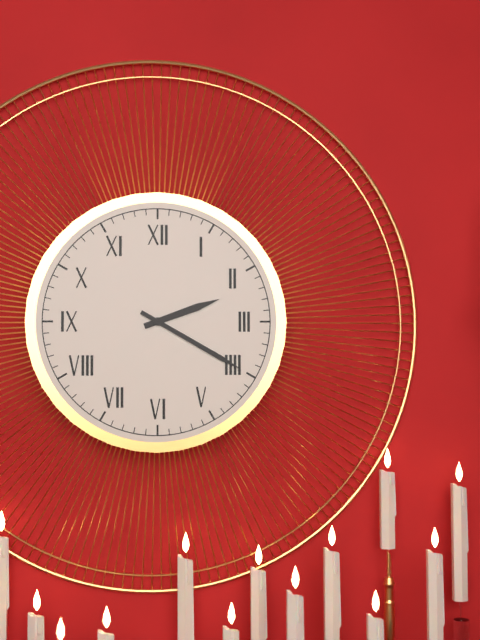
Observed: 2.20
